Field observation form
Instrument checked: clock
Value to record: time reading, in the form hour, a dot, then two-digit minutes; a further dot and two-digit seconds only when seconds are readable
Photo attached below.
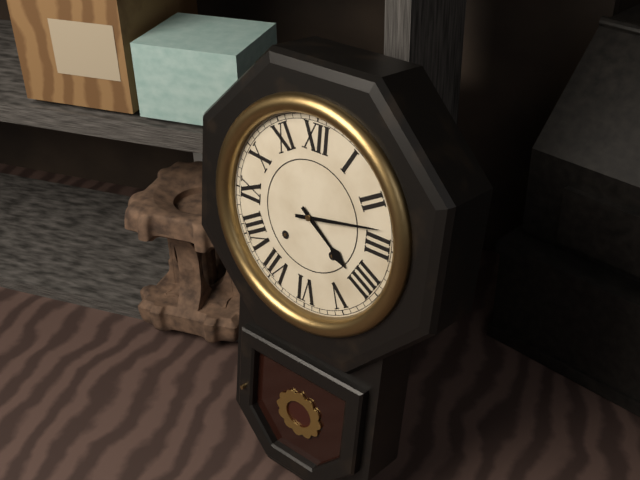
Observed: 4.13
